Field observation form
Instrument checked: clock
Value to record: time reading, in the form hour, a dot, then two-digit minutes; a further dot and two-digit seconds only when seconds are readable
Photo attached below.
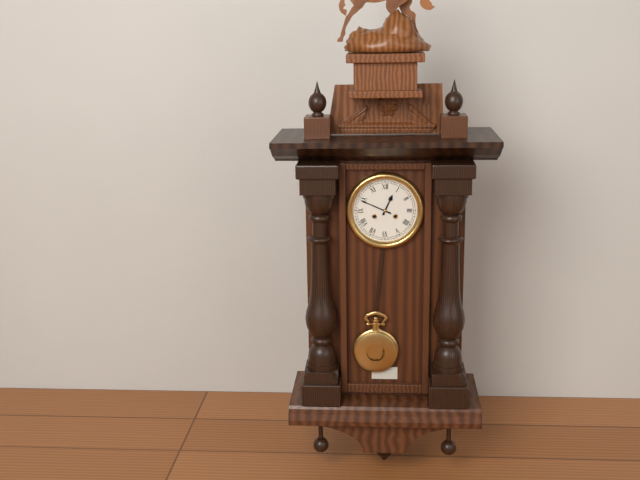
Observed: 12.49
